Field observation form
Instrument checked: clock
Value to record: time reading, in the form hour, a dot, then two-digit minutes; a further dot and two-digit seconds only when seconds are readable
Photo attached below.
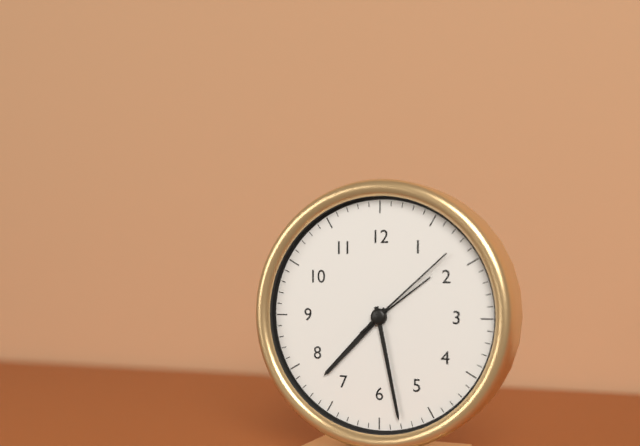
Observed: 7.28.08
